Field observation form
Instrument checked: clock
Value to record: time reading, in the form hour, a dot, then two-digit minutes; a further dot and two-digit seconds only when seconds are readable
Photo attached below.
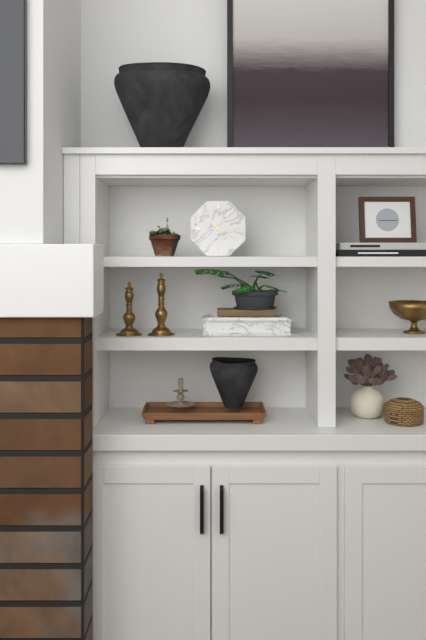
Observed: 10.20
